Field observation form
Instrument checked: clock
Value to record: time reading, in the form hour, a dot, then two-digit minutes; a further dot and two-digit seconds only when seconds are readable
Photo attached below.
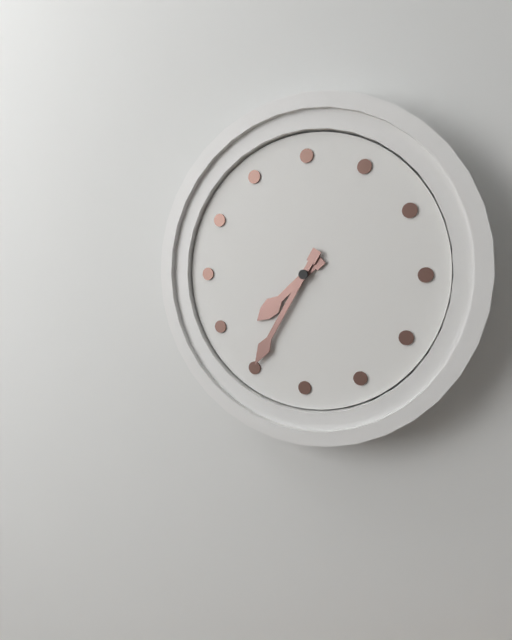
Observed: 7.35
